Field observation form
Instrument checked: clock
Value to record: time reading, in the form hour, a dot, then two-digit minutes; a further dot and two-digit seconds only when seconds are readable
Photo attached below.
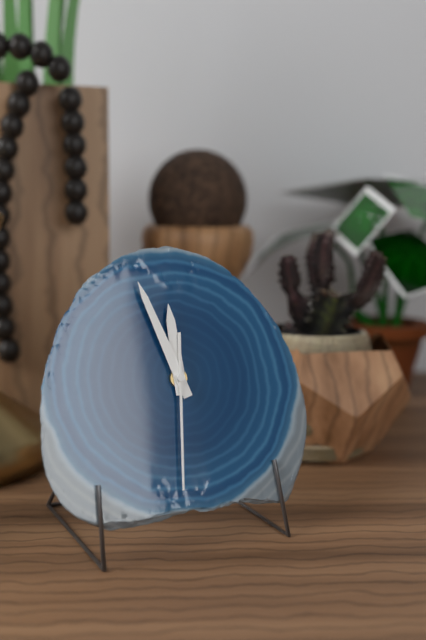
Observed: 11.57.31
